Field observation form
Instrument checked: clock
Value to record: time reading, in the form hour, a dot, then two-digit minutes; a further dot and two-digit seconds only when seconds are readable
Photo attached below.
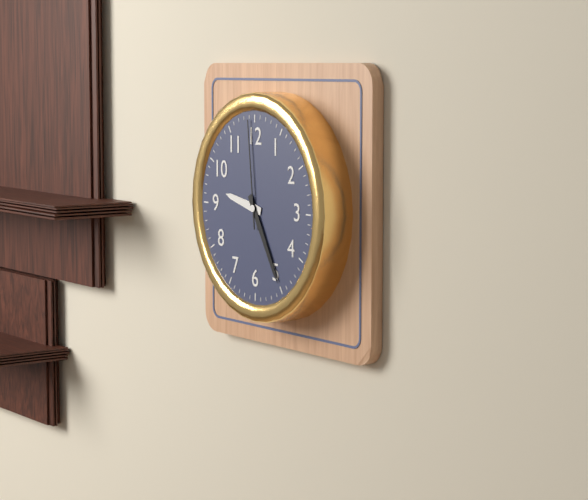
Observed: 9.25.59
